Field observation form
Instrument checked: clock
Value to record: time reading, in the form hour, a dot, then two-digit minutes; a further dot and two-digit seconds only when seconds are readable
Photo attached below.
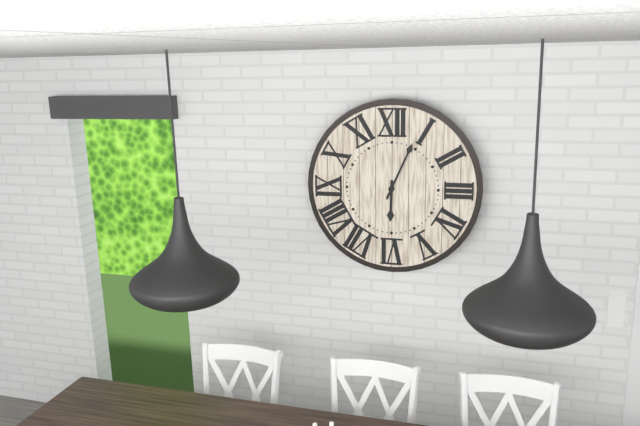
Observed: 6.04
